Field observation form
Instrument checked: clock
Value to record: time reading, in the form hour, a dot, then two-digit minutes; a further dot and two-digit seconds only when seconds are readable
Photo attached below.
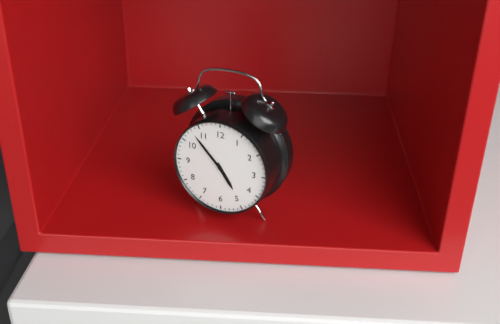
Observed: 4.53
